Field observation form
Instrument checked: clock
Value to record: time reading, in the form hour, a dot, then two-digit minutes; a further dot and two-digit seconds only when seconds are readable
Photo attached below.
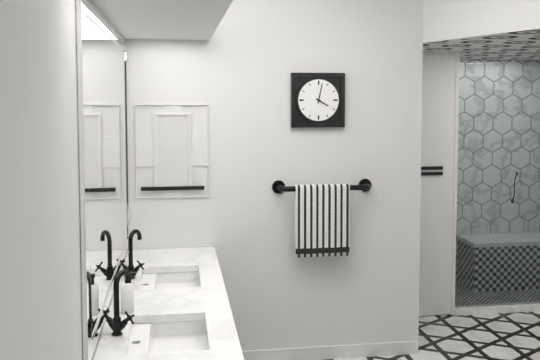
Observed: 4.02
